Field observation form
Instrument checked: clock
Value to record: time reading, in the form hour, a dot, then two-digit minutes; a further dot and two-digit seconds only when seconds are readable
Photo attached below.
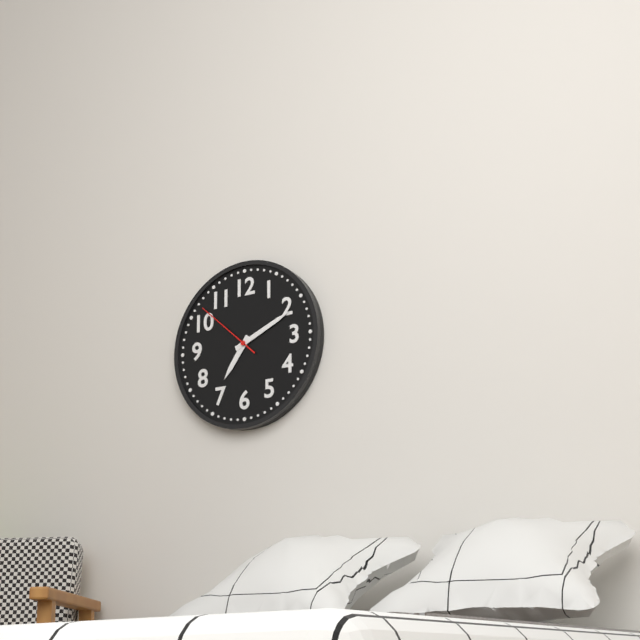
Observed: 7.11.52
